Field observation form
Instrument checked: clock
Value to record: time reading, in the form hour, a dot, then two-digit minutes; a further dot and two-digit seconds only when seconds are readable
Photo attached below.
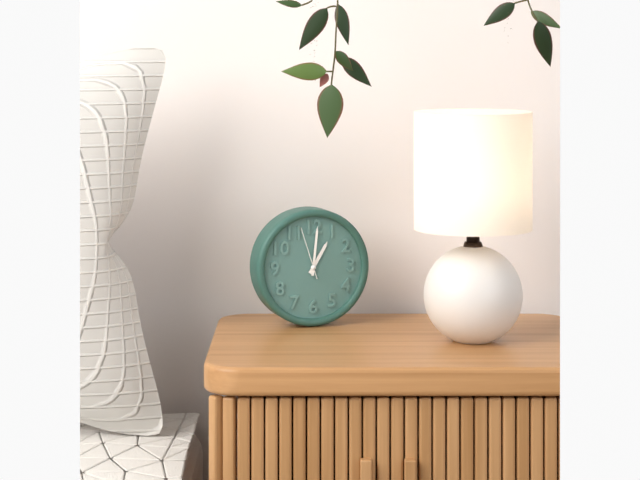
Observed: 1.01.57
